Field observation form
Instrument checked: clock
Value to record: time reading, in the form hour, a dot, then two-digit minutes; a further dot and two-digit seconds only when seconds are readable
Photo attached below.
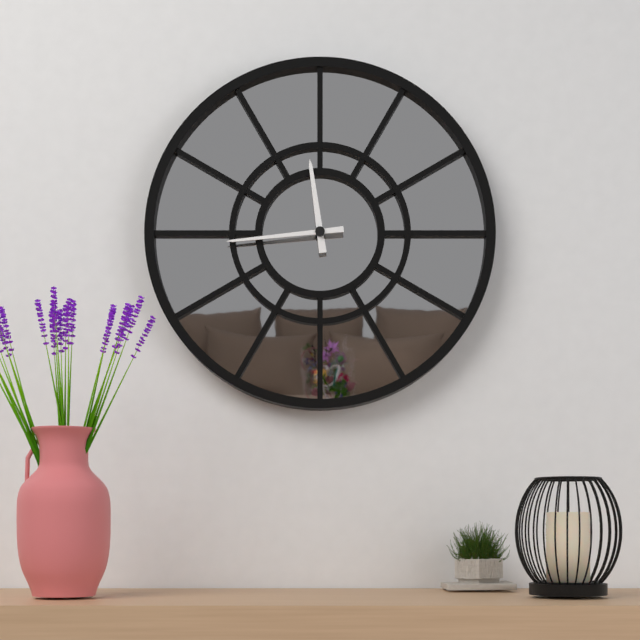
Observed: 11.44
